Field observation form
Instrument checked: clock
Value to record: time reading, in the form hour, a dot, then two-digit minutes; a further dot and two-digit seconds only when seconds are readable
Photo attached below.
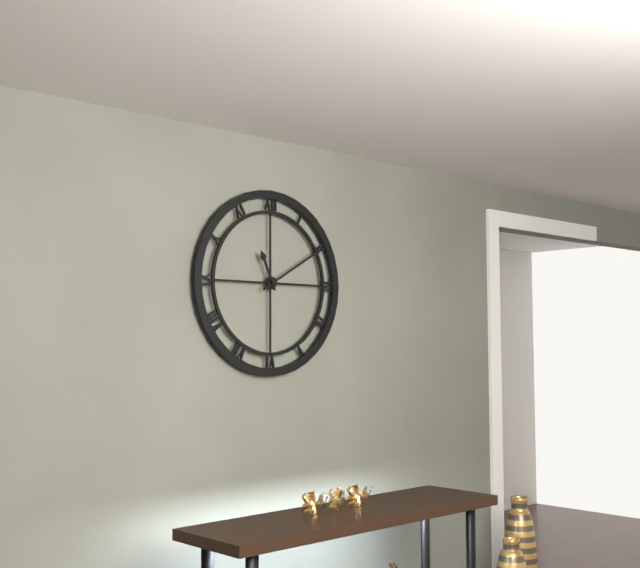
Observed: 11.10
